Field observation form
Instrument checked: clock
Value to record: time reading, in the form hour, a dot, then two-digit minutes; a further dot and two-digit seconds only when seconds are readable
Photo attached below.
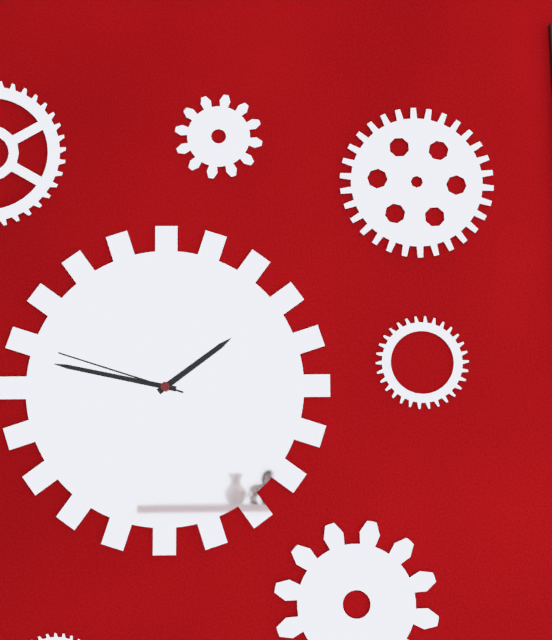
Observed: 1.47.48
